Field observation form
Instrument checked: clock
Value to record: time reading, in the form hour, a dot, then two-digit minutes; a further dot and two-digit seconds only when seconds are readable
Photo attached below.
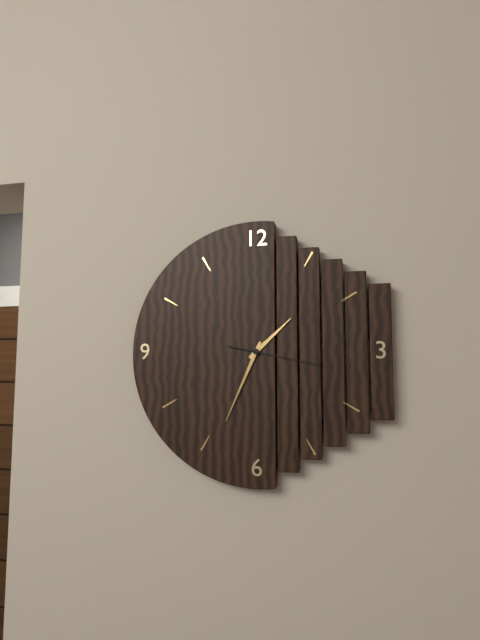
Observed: 1.34.17
